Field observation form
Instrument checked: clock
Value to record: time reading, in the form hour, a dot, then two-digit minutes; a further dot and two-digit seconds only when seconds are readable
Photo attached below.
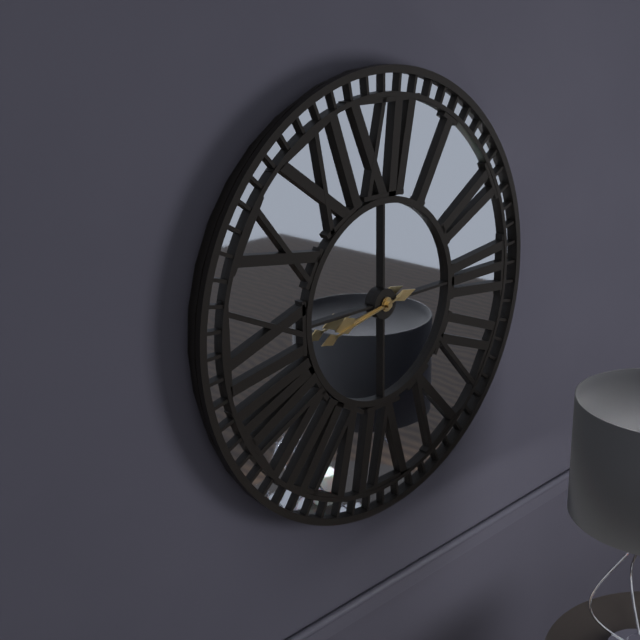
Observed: 8.43
